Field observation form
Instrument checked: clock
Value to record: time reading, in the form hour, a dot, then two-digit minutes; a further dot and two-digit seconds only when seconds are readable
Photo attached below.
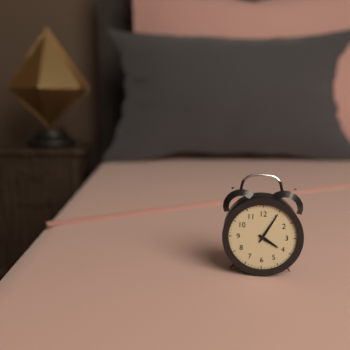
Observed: 4.05
